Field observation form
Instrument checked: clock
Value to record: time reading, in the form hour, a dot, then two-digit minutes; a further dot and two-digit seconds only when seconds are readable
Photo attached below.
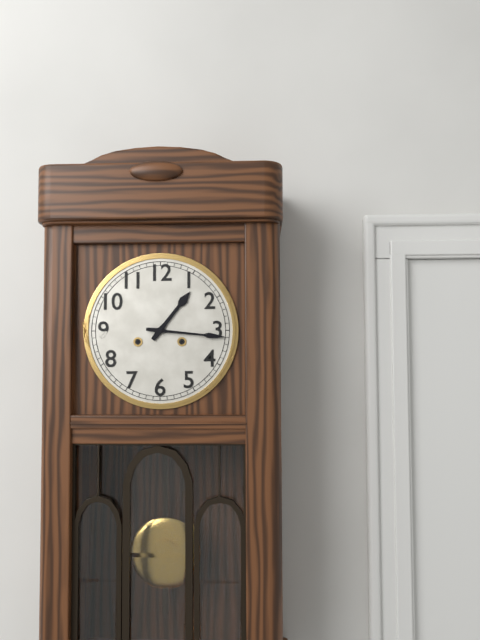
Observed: 1.16
